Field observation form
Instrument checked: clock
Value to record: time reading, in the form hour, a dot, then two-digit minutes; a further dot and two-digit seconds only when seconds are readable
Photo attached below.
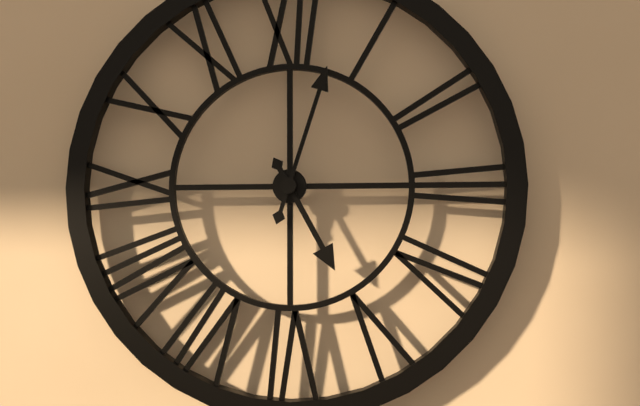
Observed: 5.03
